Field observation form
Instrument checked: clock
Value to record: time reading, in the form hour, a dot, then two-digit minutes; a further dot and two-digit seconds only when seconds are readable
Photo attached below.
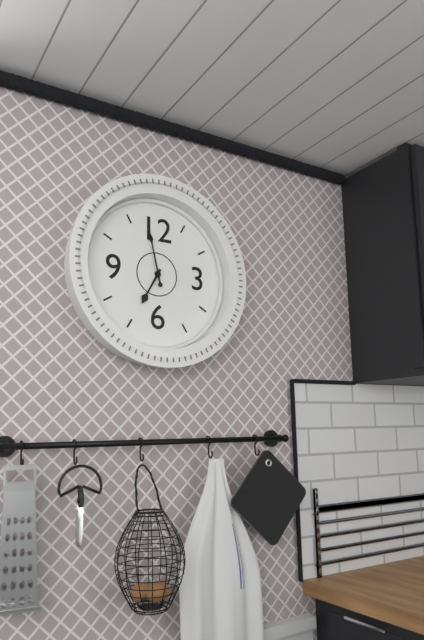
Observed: 6.58
